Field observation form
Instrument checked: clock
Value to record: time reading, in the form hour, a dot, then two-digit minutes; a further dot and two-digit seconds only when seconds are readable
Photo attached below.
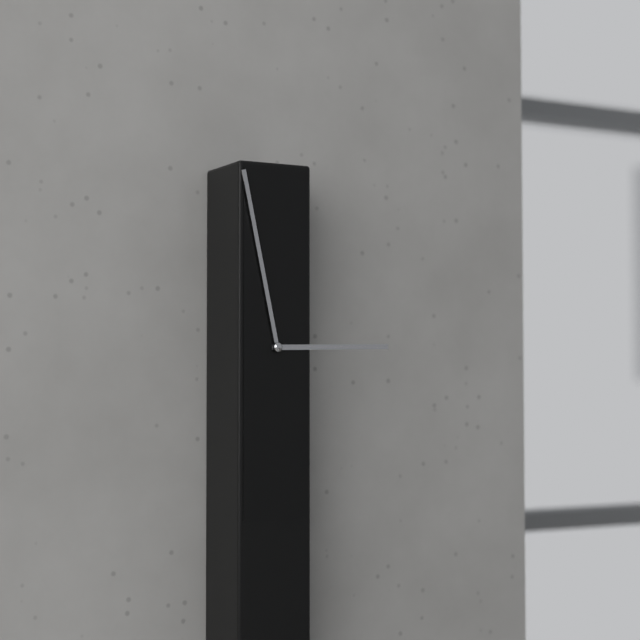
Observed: 2.58
